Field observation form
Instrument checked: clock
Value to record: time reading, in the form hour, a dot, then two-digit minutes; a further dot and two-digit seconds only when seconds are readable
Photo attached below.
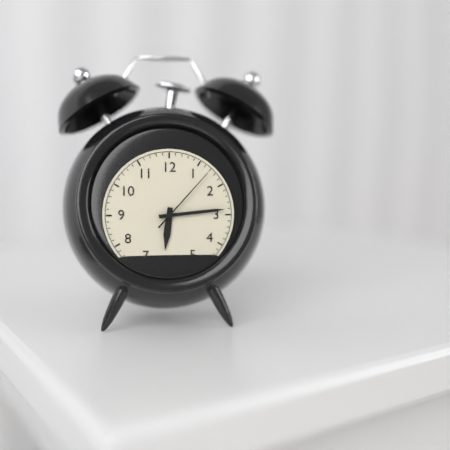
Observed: 6.14.07
